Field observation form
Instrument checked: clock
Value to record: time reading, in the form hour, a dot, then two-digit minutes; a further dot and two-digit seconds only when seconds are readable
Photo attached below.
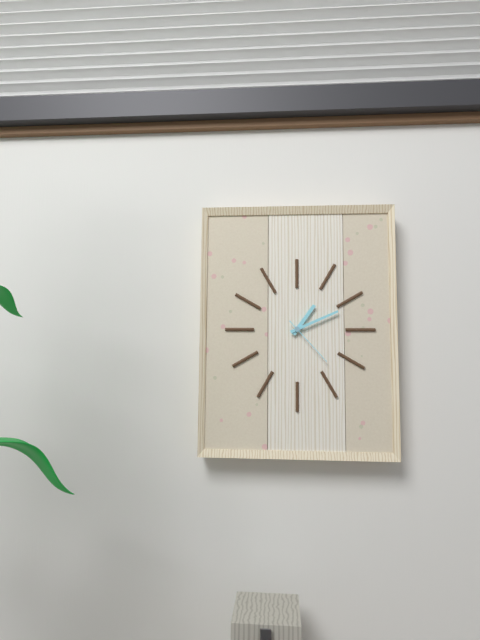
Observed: 1.11.23
